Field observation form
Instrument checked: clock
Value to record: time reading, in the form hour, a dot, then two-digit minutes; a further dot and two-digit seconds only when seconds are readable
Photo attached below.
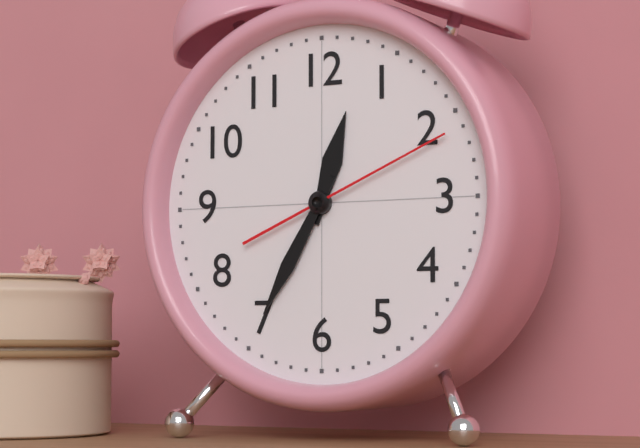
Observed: 12.35.11
